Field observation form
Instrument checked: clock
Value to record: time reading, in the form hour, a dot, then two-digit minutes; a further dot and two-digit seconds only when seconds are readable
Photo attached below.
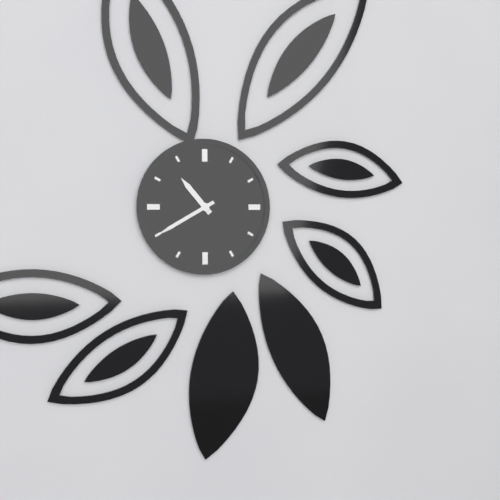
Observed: 10.40
